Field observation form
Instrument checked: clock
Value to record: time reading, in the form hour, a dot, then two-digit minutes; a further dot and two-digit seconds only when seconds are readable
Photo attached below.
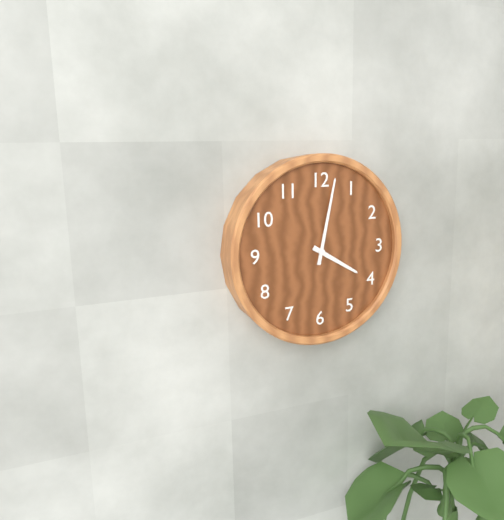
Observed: 4.02
